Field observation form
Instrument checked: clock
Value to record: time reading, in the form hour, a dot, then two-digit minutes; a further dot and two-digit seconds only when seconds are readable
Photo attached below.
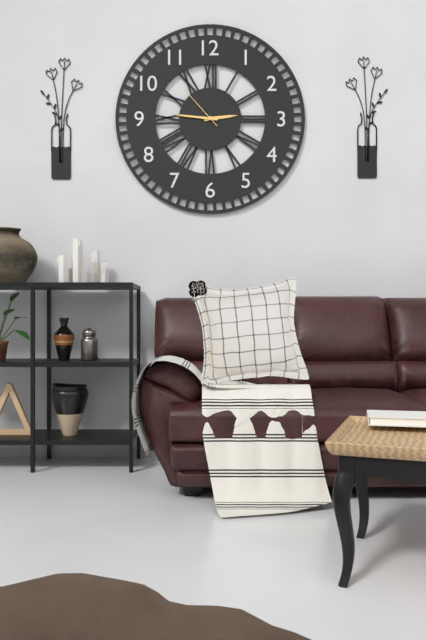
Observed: 2.46.53
